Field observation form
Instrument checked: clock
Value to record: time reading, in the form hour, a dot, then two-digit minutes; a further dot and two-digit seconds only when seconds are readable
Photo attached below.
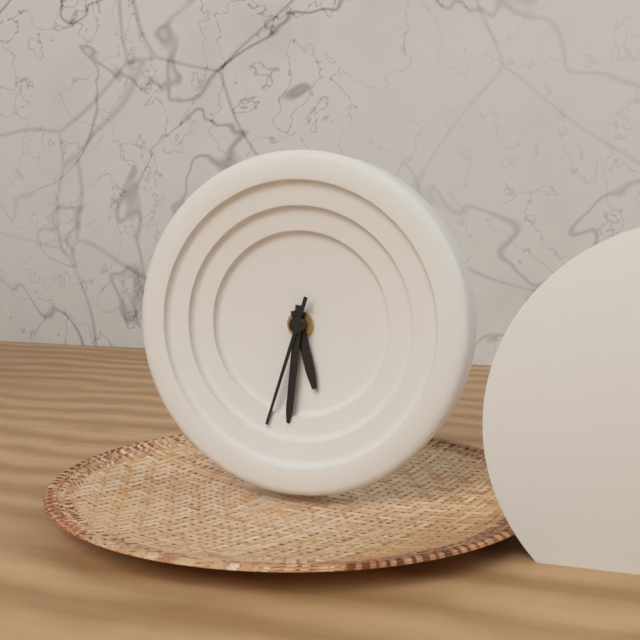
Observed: 5.31.33
